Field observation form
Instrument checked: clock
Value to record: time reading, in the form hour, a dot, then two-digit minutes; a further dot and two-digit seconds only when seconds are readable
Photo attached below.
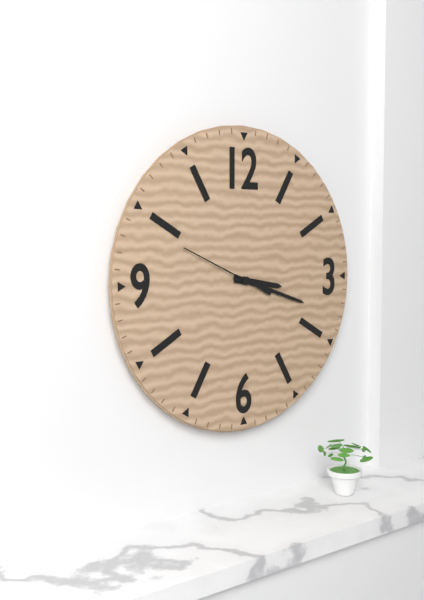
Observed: 3.18.49
